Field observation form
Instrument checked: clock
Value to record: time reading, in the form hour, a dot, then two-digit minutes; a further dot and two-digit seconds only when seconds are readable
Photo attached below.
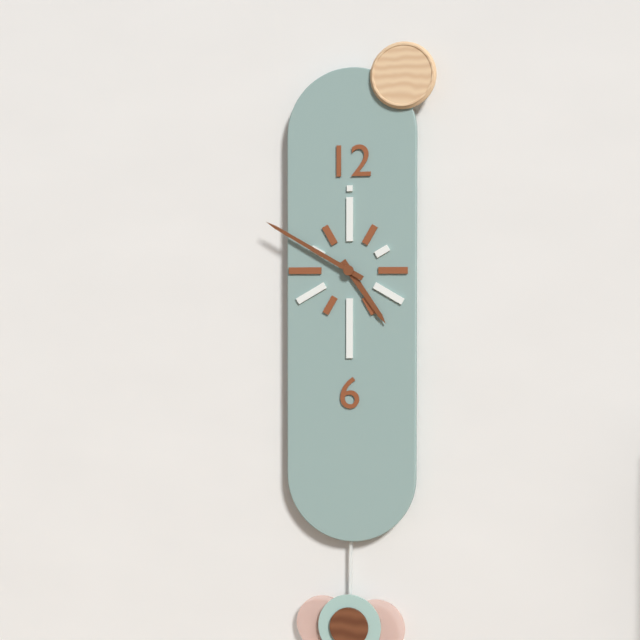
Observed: 4.50
